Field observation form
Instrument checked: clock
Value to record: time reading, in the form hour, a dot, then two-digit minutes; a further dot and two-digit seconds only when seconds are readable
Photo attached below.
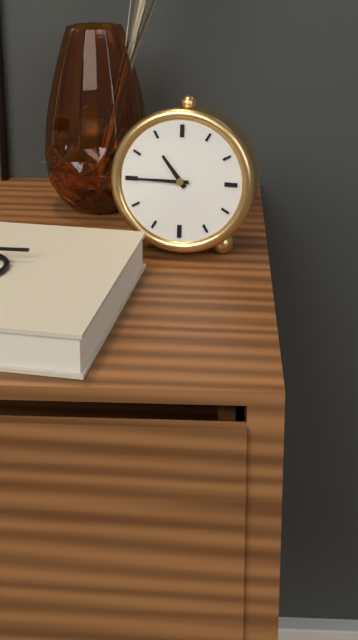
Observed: 10.45
